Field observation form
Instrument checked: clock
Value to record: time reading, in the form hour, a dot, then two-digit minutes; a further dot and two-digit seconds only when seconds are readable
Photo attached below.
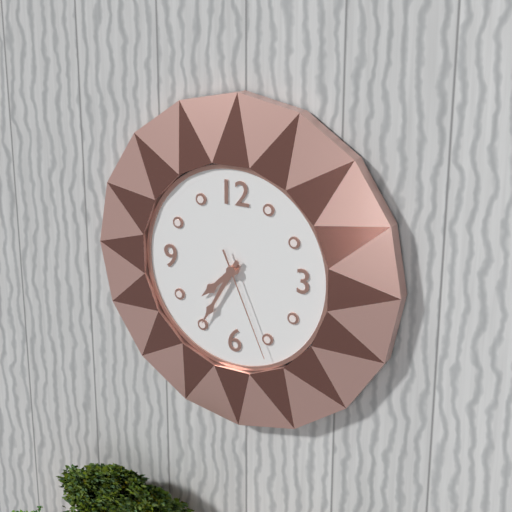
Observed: 7.35.26
